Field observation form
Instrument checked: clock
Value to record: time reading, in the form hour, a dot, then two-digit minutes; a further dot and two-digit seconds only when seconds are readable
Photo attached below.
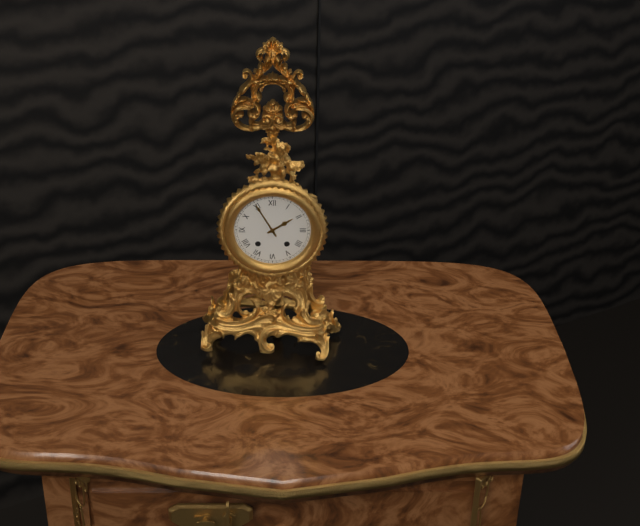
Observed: 1.55
